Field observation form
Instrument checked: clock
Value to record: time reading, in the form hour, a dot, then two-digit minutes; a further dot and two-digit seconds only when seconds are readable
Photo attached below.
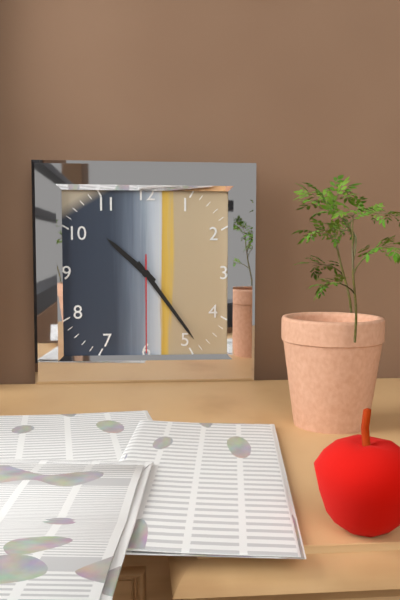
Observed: 10.24.30
